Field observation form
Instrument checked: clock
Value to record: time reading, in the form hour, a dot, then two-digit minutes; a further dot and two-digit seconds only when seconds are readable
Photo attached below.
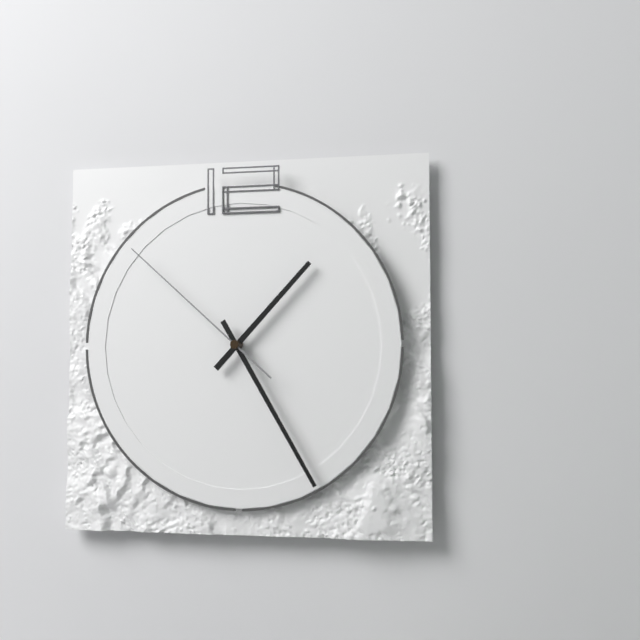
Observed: 1.25.52
